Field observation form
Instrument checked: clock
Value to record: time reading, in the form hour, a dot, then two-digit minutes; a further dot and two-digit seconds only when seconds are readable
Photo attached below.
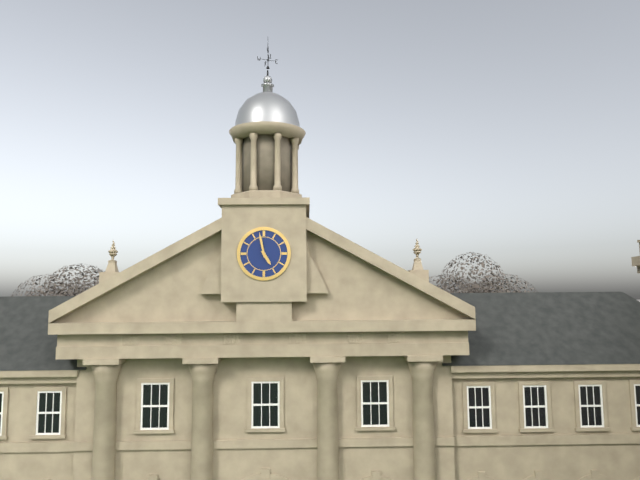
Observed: 4.58
